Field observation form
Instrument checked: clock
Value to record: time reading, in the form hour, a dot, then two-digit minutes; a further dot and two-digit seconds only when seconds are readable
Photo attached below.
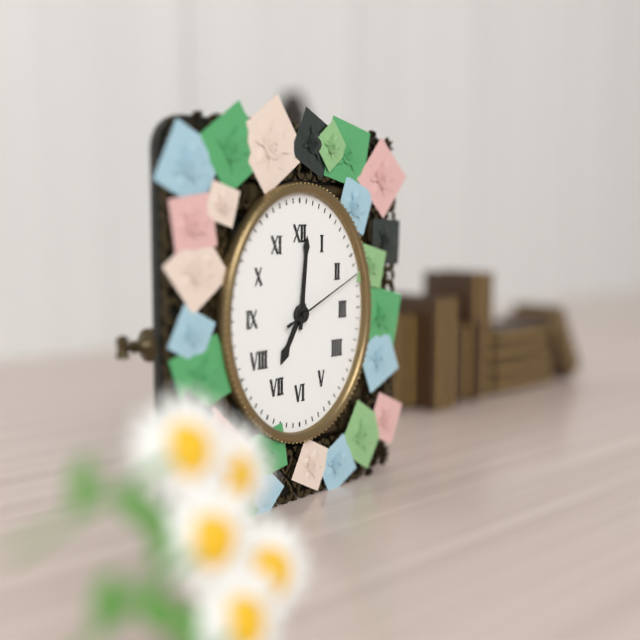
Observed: 7.01.11
